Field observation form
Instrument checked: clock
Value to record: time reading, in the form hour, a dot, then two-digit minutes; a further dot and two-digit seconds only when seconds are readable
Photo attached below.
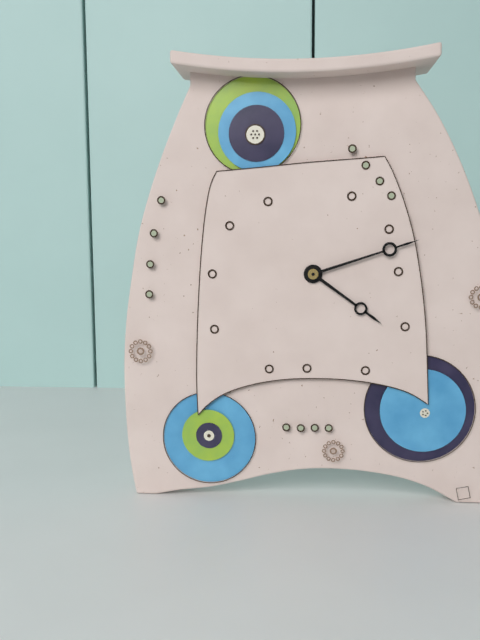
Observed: 4.12
